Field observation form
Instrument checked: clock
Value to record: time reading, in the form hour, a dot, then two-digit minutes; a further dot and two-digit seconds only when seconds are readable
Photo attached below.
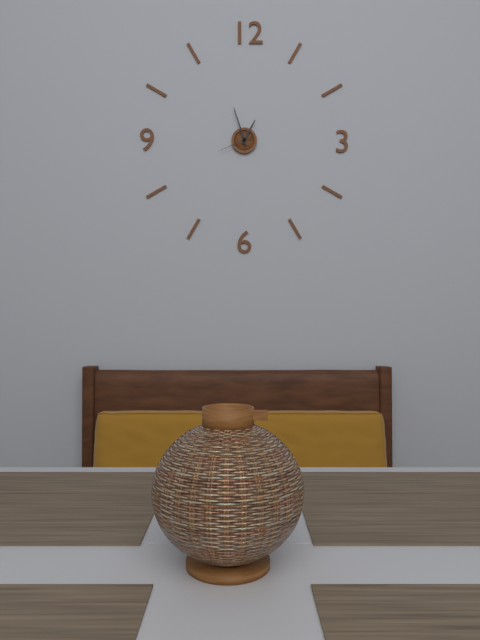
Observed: 12.57
